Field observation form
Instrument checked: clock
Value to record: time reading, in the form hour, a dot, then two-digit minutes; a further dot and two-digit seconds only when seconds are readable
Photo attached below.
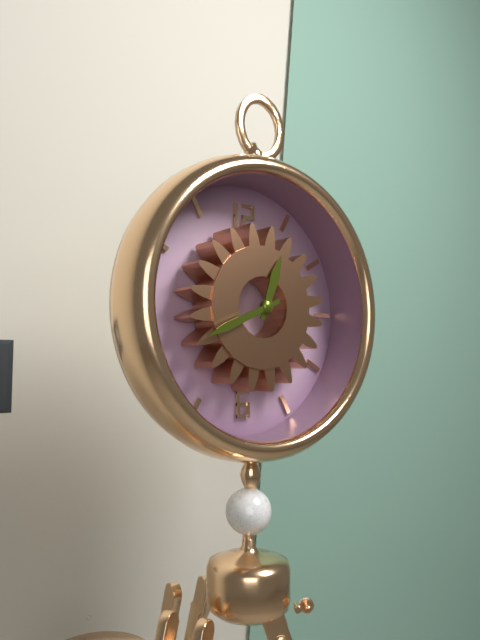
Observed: 12.41
